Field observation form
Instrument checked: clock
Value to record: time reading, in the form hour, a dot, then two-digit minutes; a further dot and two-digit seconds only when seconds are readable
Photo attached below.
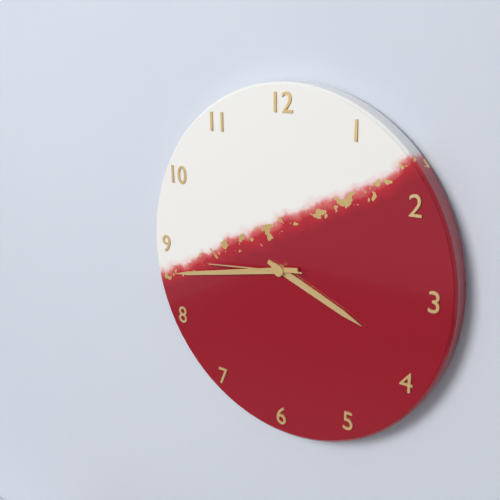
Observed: 3.43.44
